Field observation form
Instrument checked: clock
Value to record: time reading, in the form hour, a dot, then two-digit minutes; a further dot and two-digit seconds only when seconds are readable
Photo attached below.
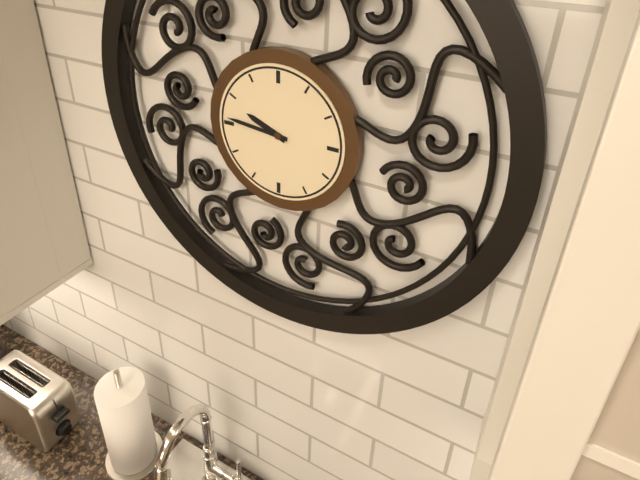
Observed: 9.46
